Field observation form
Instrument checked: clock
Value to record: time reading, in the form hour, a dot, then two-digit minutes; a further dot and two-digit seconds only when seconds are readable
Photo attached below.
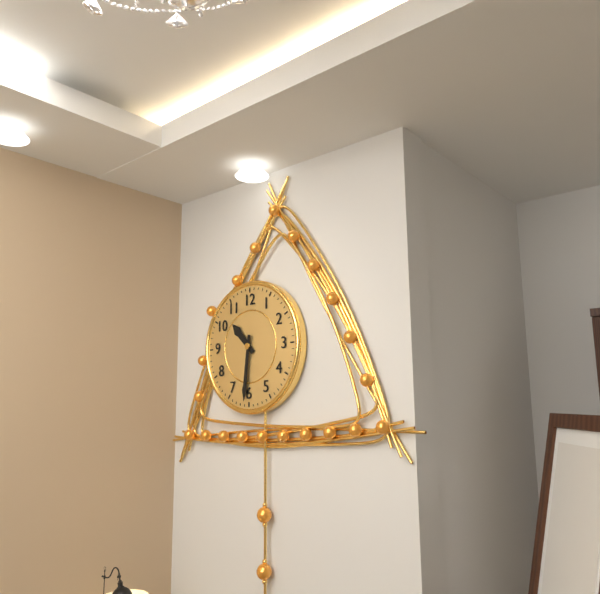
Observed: 10.31
